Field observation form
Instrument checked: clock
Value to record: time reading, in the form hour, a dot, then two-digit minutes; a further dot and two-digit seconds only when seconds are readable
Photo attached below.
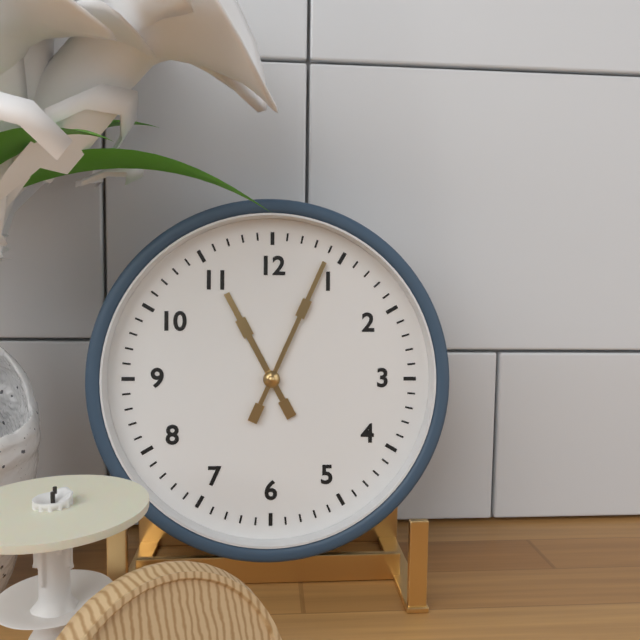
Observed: 11.04
